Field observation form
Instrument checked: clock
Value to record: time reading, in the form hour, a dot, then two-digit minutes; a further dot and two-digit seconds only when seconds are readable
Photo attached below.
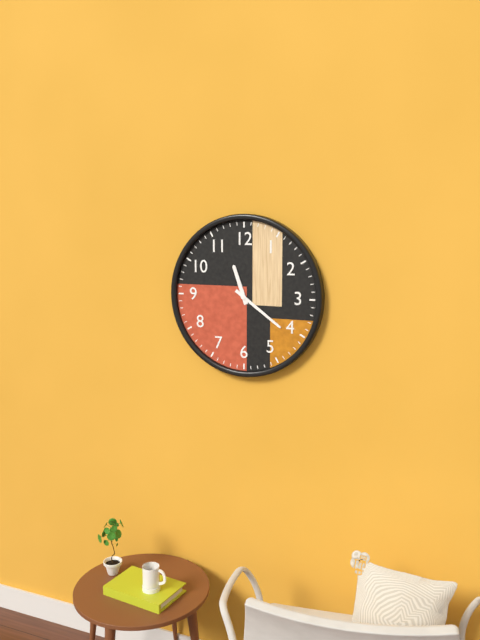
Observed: 11.21
